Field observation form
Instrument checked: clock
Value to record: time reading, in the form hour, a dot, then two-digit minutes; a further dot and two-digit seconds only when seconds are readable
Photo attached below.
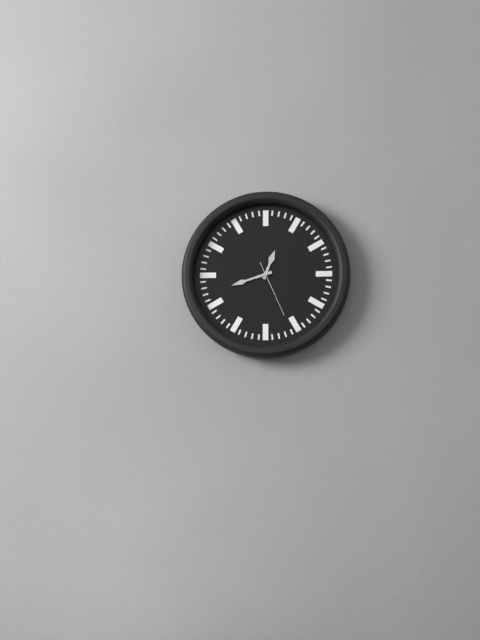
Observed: 12.42.26
